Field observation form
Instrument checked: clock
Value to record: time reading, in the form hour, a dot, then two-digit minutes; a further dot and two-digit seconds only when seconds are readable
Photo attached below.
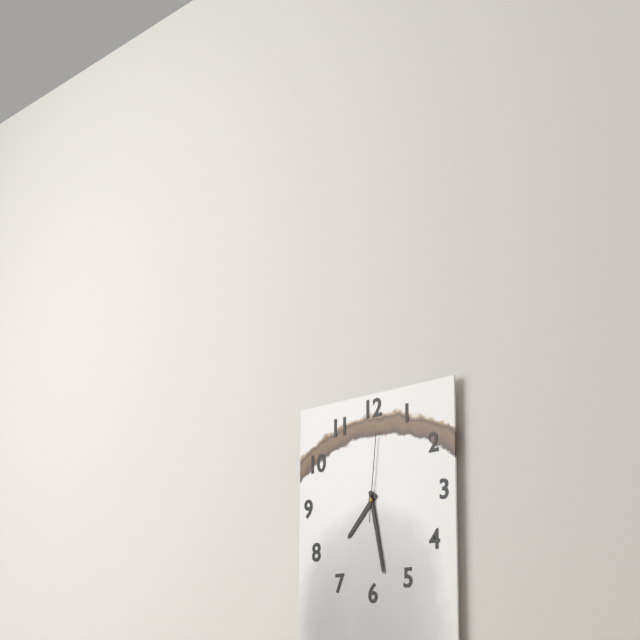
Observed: 7.28.01
